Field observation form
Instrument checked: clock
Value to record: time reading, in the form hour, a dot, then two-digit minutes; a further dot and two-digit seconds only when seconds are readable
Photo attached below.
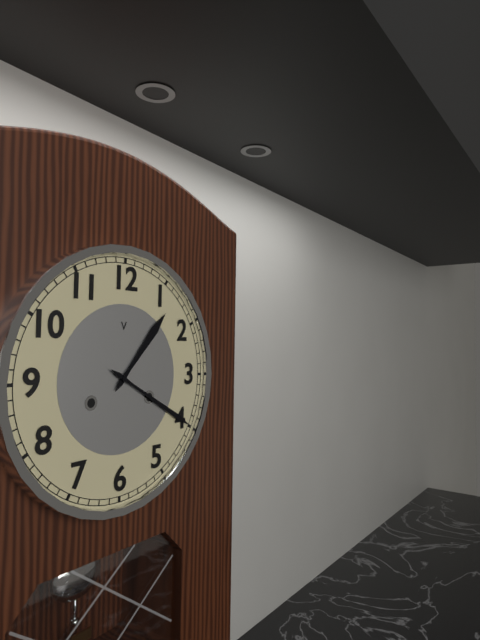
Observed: 1.20
